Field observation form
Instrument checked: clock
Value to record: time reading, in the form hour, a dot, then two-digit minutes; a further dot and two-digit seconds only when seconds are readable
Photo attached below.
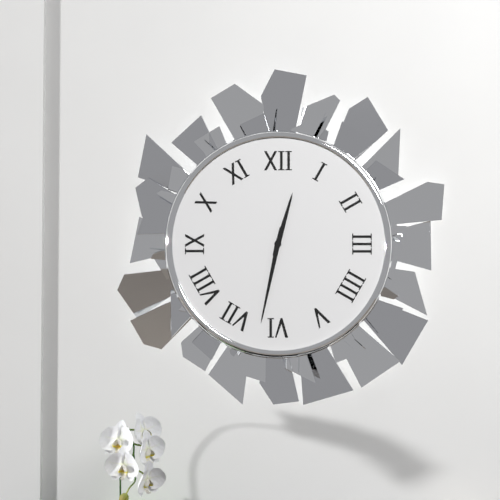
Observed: 12.32
